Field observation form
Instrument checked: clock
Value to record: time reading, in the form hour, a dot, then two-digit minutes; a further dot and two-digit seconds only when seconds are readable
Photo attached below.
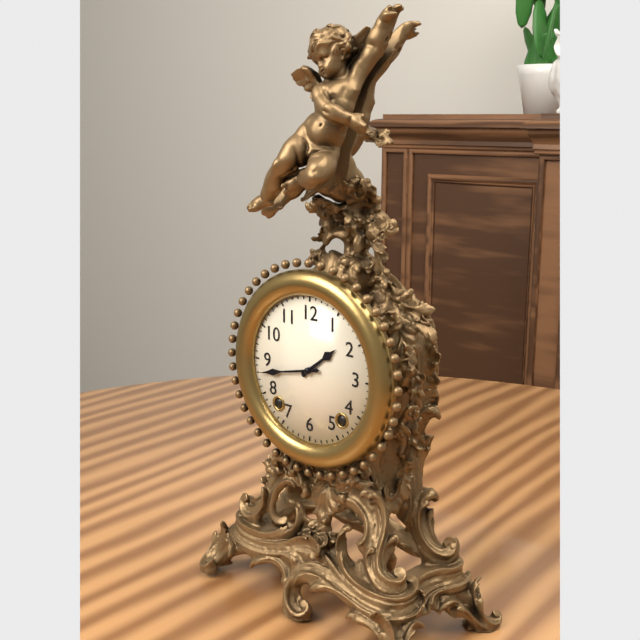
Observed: 1.43
